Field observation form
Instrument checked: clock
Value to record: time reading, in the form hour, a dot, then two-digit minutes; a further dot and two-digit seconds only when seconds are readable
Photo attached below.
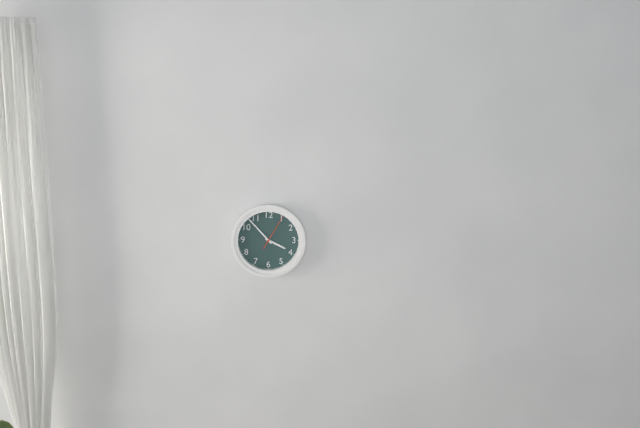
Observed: 3.53
